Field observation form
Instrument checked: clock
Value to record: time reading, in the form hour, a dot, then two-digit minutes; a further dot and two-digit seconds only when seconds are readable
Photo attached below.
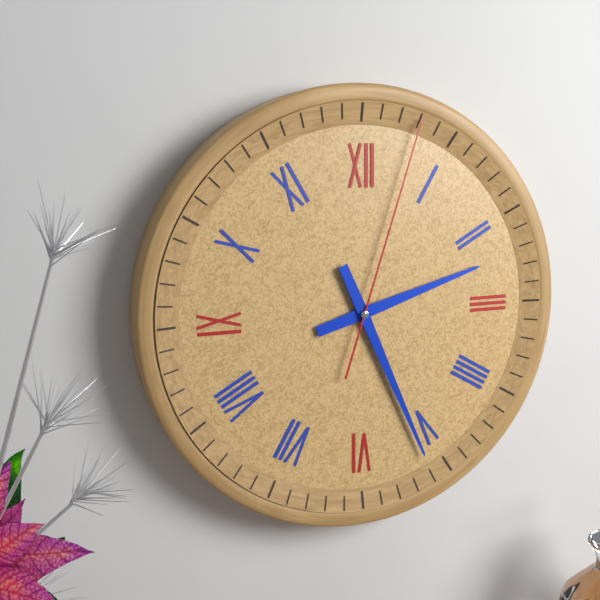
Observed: 2.26.03
